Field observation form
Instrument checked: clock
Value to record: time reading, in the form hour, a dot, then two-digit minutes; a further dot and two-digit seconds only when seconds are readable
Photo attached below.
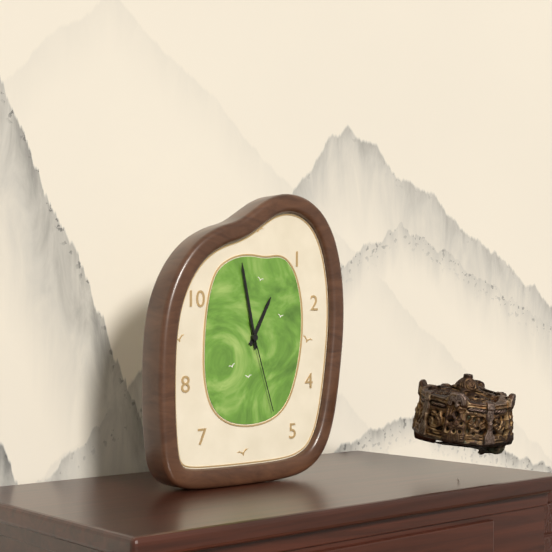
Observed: 12.58.27
